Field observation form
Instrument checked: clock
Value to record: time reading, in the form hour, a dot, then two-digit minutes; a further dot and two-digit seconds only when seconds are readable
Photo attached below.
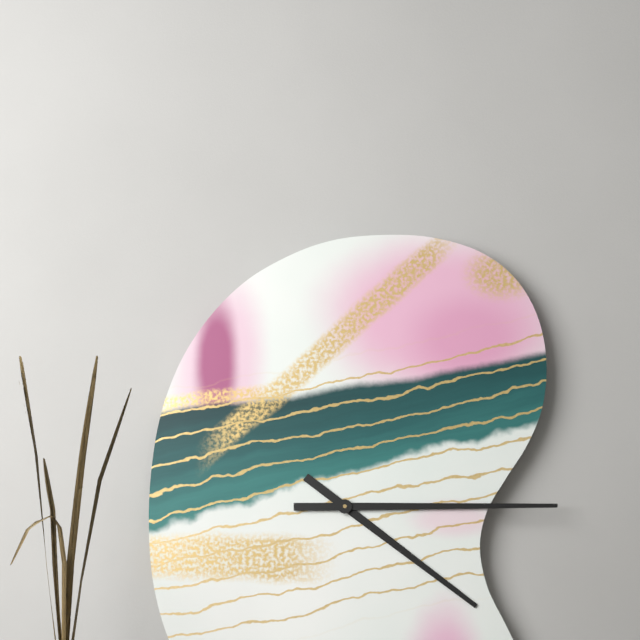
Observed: 4.15
